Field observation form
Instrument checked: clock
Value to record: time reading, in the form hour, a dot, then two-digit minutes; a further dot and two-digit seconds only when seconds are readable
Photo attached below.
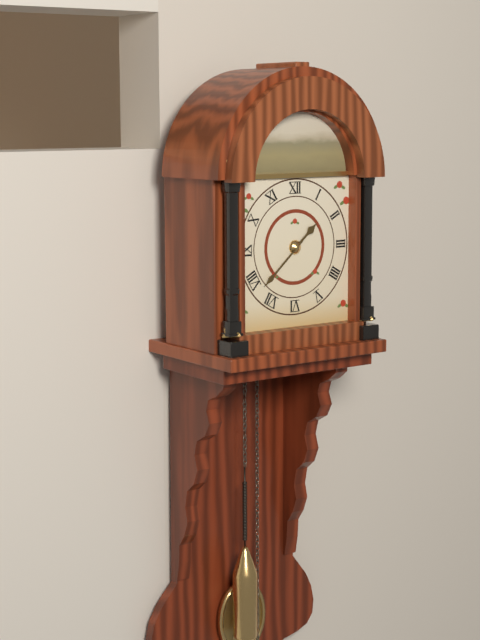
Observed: 1.38
